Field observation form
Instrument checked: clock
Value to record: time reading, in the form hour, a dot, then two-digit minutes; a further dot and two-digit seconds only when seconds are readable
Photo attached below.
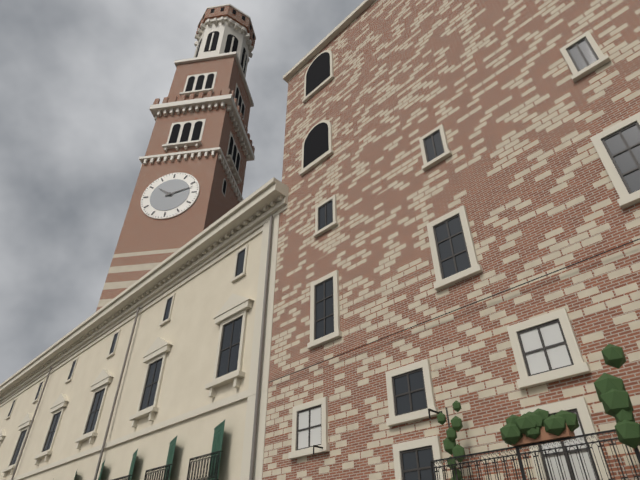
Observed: 10.12
